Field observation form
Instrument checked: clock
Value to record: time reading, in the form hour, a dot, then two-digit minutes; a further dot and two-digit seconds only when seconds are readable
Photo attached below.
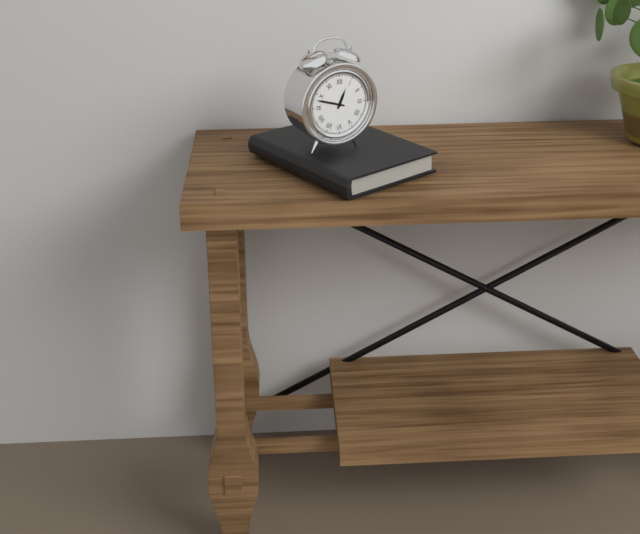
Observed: 12.48
